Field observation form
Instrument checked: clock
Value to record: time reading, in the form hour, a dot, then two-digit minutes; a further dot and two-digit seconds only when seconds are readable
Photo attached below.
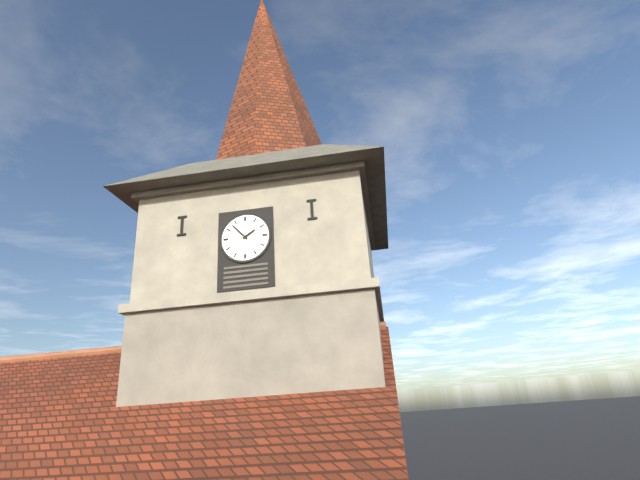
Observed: 1.53
